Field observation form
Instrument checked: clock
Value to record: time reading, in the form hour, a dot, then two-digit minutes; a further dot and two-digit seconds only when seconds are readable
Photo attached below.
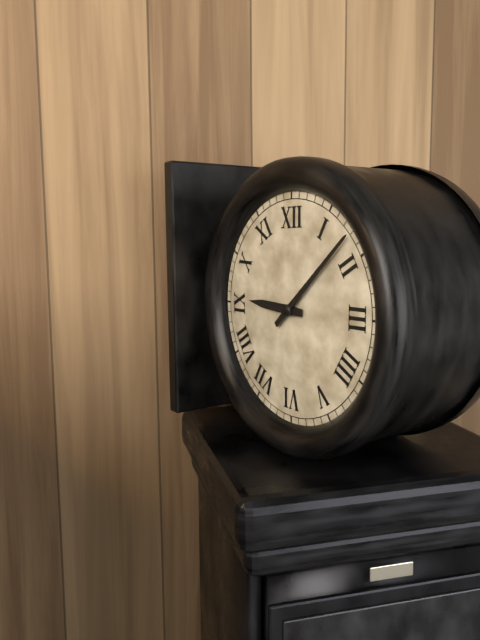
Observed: 9.08
